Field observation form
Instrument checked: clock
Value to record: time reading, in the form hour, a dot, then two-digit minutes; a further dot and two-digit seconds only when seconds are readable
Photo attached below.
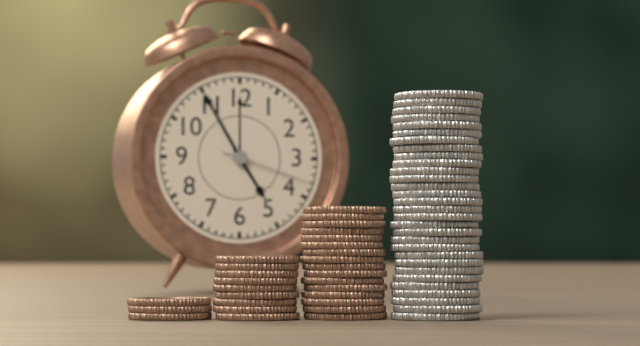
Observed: 4.55.18
